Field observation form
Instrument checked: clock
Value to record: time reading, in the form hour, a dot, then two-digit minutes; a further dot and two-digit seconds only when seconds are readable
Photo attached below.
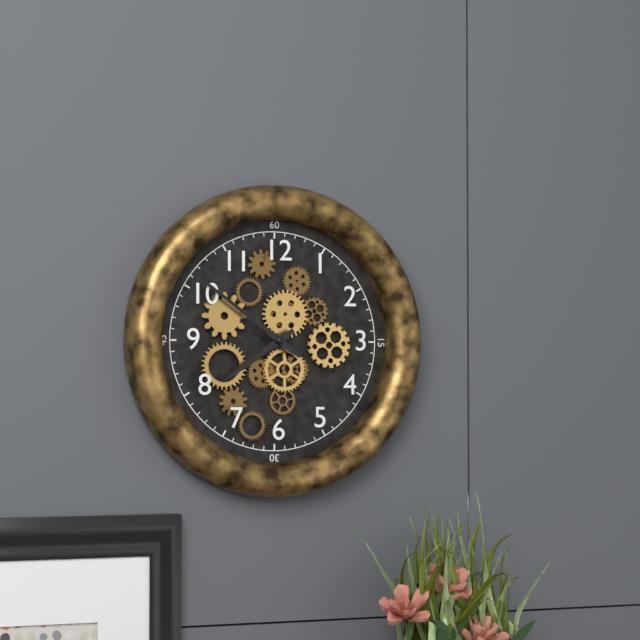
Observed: 7.51
